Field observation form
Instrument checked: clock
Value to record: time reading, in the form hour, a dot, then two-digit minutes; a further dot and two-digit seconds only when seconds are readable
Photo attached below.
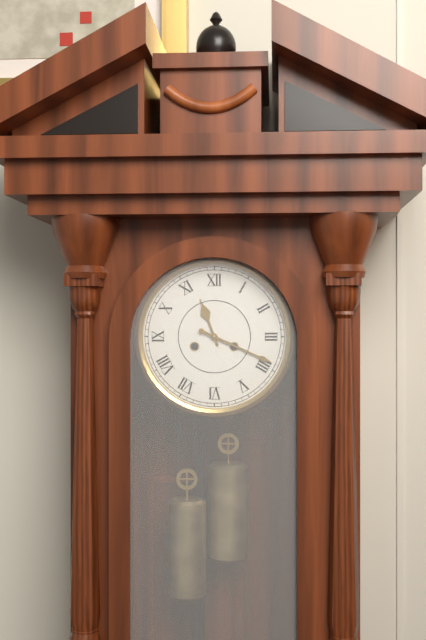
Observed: 11.19
